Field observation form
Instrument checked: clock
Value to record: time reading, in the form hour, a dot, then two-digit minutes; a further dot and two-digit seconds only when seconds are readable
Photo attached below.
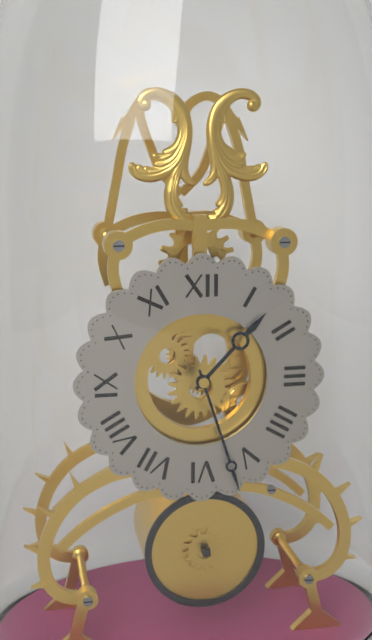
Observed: 1.27
